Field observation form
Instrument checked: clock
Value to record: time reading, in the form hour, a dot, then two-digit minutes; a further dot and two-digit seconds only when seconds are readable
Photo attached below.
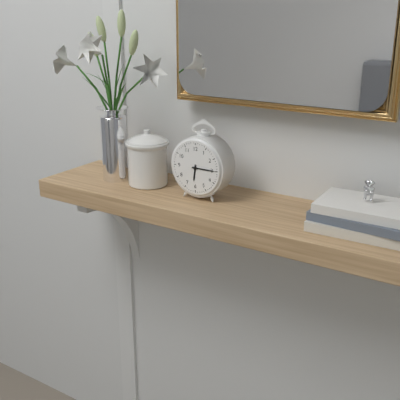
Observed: 6.15
